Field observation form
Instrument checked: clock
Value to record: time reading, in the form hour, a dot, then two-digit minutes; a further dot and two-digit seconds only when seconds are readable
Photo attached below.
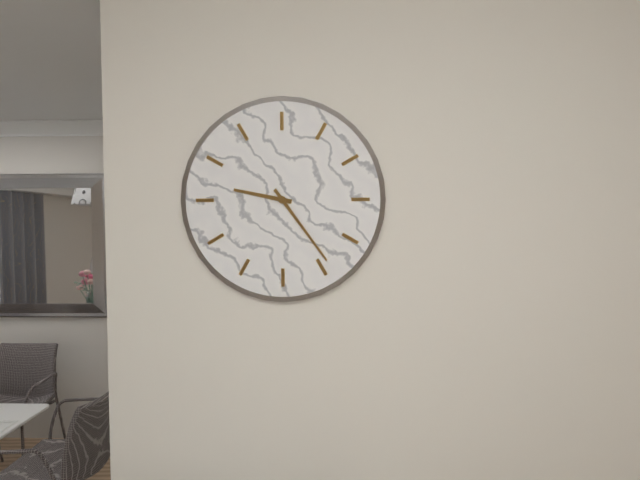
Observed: 9.24
